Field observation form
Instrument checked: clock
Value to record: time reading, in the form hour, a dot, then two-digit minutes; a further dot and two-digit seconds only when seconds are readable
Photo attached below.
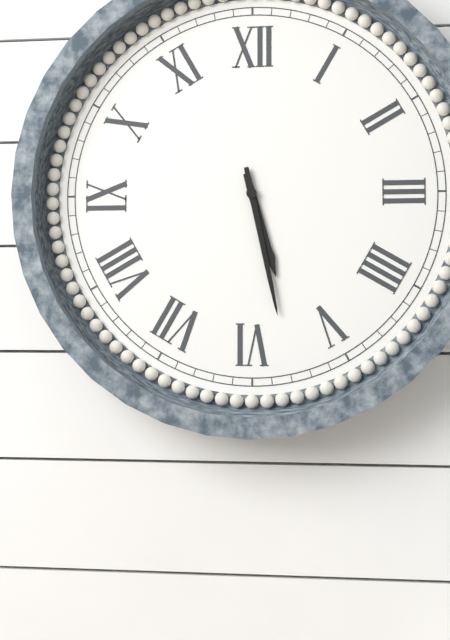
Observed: 5.28
